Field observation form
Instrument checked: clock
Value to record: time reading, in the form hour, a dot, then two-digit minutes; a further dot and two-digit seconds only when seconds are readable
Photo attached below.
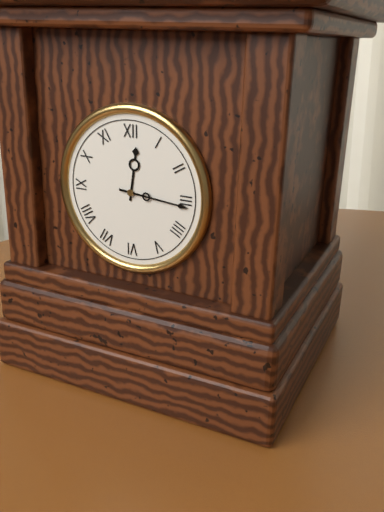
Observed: 12.16
